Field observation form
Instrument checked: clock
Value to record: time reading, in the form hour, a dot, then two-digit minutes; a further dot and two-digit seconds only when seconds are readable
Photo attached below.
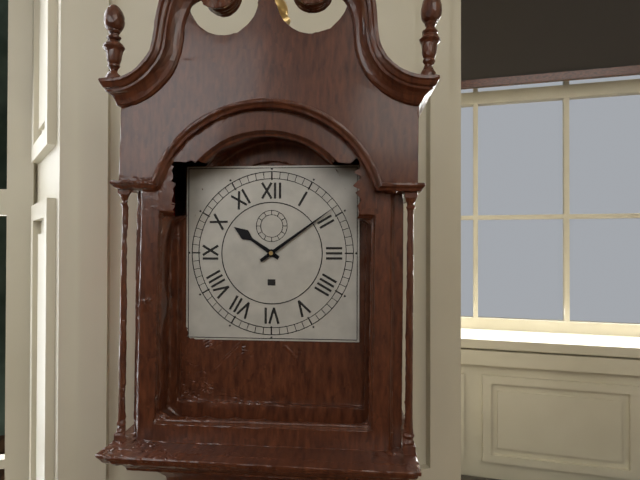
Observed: 10.09
